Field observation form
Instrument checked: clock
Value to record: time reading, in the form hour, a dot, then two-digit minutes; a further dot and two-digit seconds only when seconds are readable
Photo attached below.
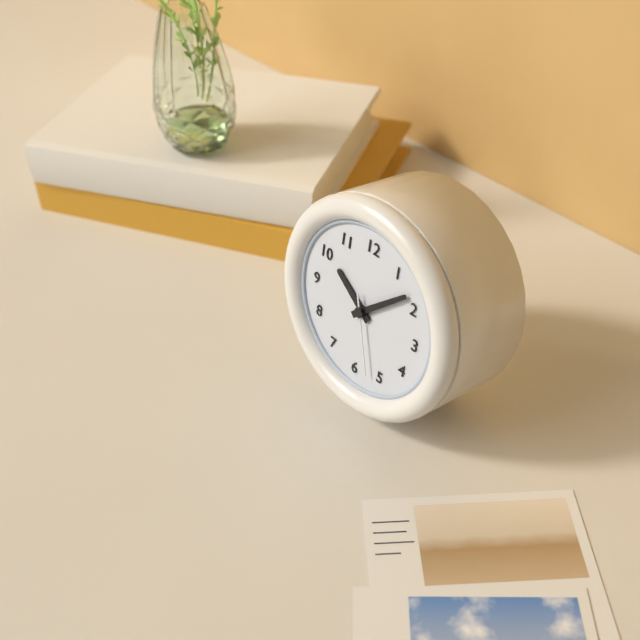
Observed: 10.08.27
